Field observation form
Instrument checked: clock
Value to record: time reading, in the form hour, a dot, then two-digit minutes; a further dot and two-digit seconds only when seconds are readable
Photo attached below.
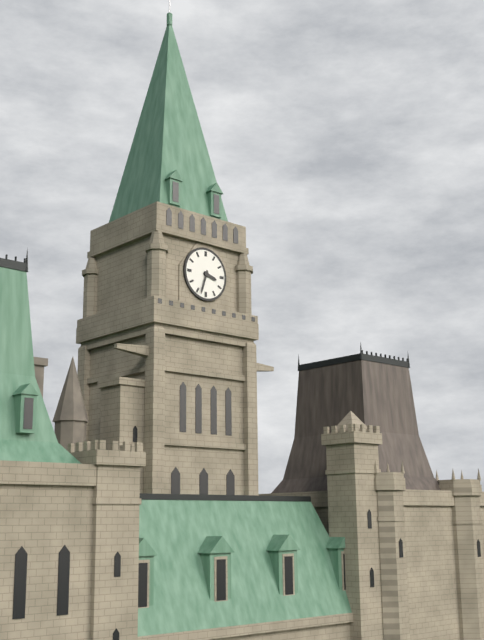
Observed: 3.33
